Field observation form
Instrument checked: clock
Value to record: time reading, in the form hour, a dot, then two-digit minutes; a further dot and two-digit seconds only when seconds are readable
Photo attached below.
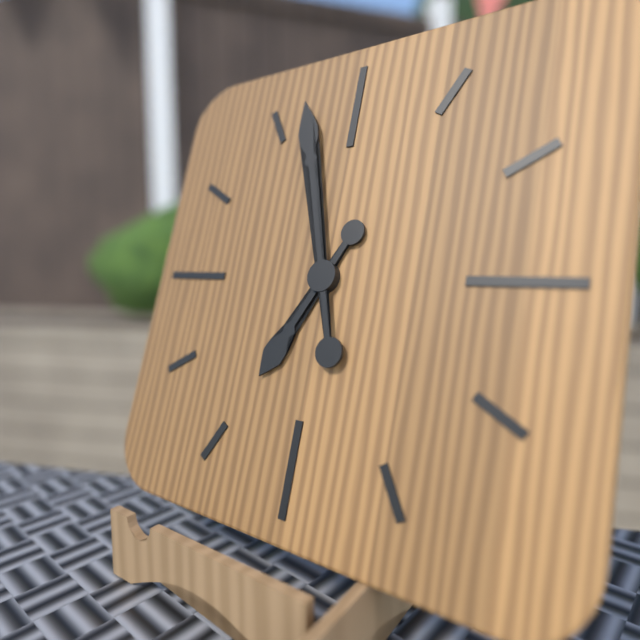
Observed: 6.57
